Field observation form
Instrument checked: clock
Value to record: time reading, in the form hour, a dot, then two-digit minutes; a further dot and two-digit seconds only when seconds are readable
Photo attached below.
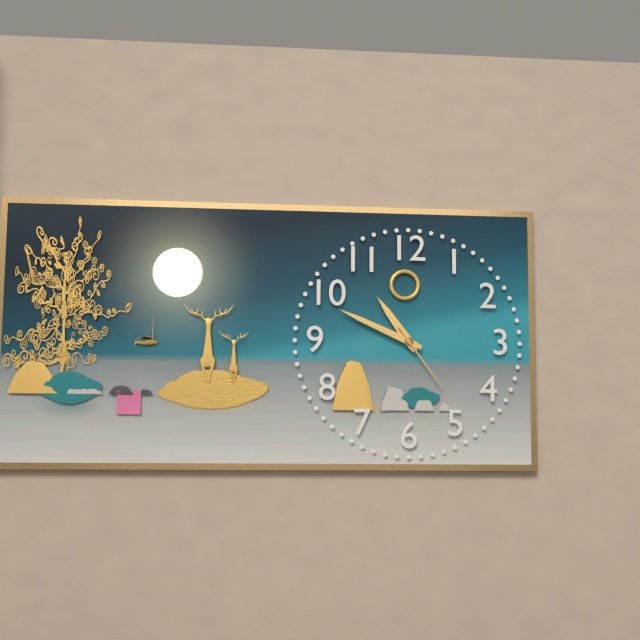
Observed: 10.49.24
